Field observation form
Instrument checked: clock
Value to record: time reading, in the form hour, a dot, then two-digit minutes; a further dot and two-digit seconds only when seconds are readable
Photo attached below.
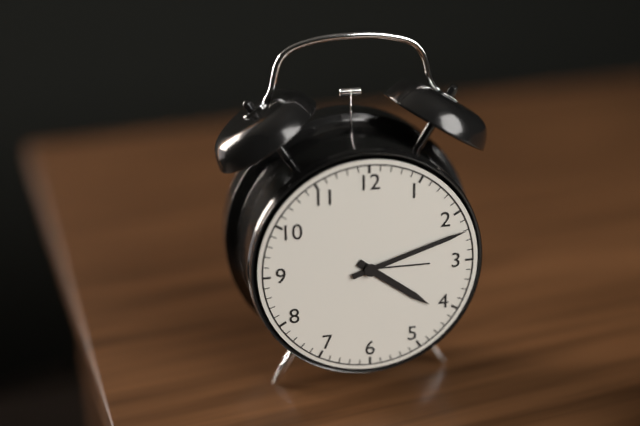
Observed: 4.12
